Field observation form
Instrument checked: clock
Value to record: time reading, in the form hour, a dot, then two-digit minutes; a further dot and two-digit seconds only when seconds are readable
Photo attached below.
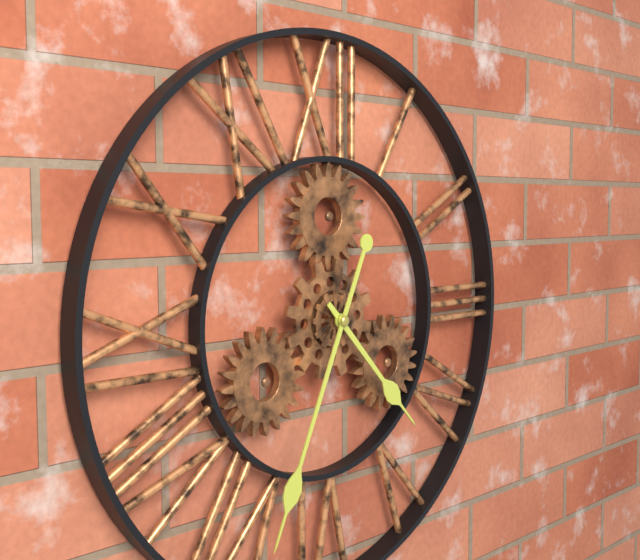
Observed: 4.34
